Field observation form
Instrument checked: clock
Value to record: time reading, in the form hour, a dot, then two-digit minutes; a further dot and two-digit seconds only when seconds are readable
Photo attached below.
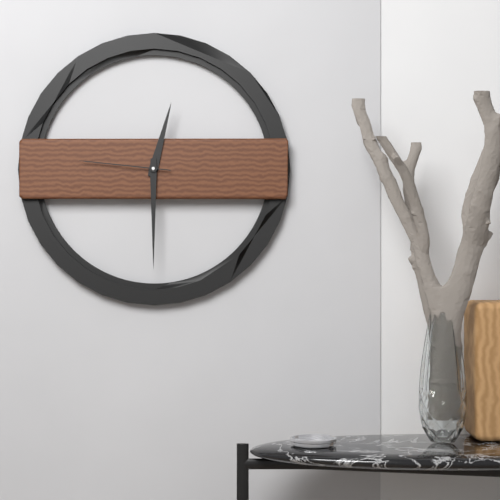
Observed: 12.30.46
